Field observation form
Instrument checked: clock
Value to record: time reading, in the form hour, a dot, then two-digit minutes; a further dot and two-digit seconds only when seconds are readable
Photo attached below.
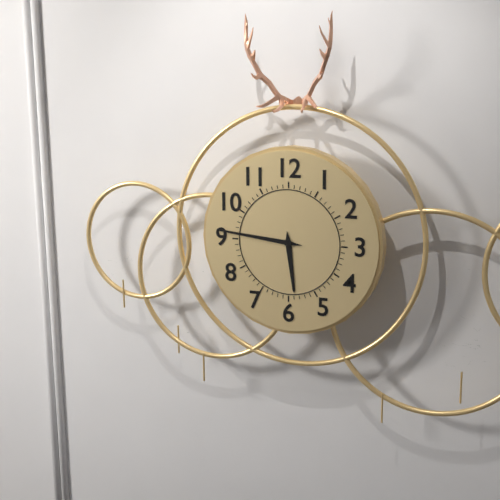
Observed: 5.46
